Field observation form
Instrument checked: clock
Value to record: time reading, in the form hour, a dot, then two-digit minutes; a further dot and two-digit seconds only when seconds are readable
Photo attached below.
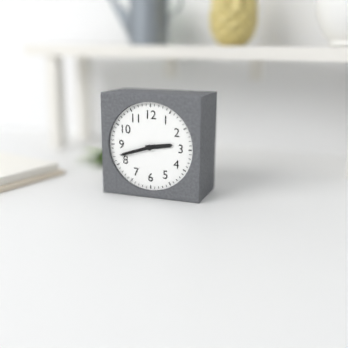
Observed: 2.42
